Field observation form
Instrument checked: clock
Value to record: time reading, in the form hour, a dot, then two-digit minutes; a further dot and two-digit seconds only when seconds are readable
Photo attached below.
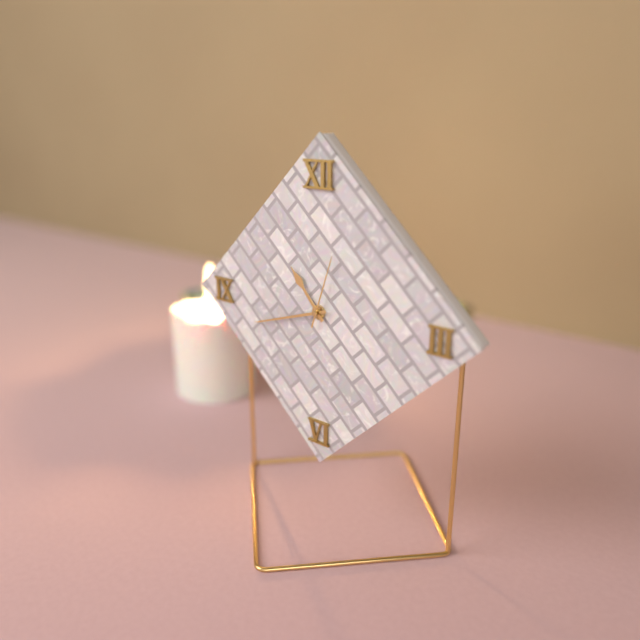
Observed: 10.42.03
